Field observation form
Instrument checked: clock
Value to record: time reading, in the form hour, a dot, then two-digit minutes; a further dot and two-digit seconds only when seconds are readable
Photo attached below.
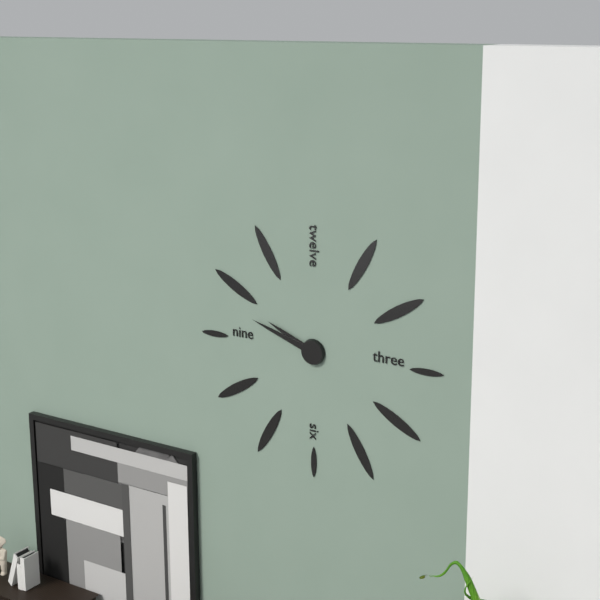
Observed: 9.48
